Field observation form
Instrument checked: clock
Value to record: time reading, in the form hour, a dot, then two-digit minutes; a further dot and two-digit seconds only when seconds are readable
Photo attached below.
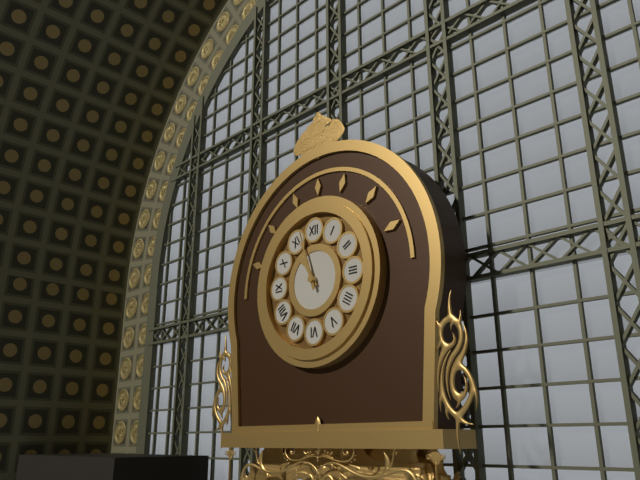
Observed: 10.57
